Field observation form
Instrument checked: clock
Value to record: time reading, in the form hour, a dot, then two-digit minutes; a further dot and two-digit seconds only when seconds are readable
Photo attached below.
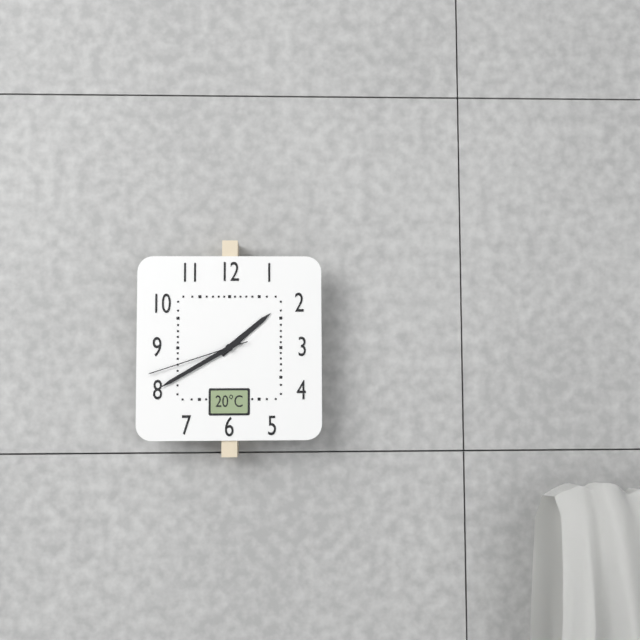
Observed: 1.40.42
